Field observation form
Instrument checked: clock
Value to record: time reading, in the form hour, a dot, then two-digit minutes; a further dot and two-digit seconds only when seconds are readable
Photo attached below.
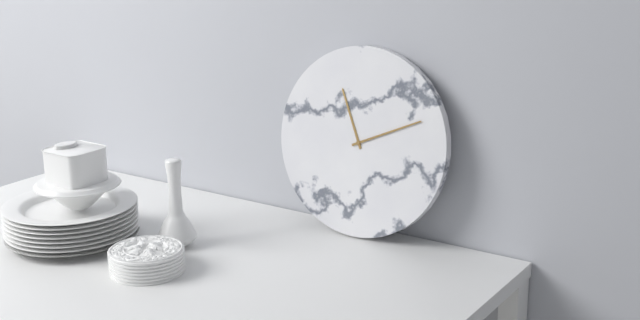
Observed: 11.11
